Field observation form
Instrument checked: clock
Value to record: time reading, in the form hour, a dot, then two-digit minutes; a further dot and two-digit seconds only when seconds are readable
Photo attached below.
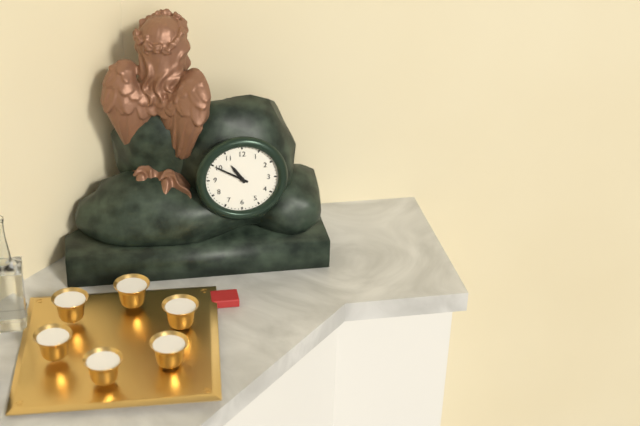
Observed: 10.50
